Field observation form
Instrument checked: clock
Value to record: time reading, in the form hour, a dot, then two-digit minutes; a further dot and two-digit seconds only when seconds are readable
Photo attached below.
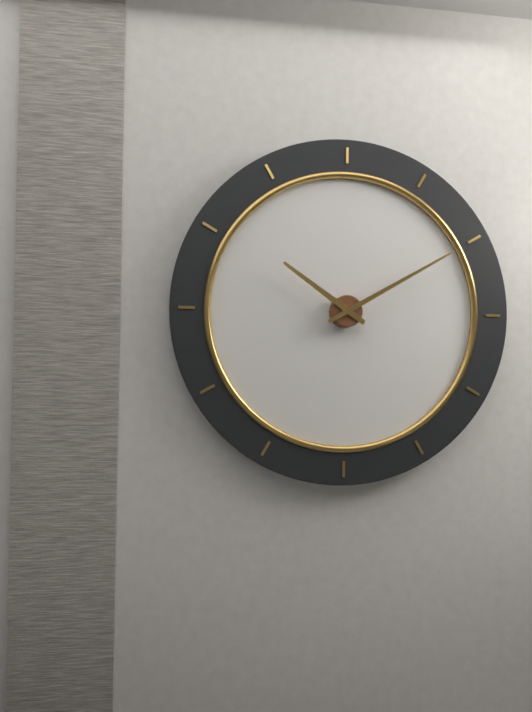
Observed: 10.10
